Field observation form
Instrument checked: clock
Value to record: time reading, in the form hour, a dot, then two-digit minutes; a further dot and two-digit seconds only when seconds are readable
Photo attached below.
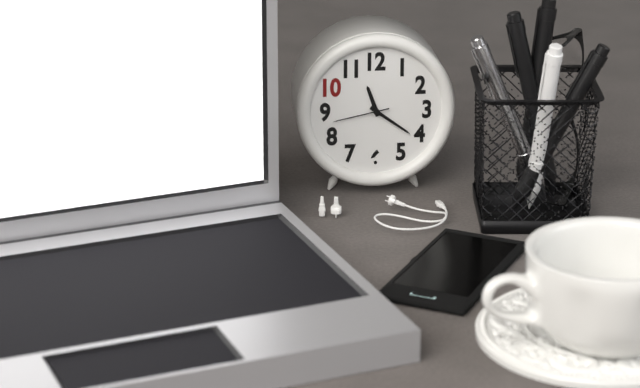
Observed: 11.21.43
